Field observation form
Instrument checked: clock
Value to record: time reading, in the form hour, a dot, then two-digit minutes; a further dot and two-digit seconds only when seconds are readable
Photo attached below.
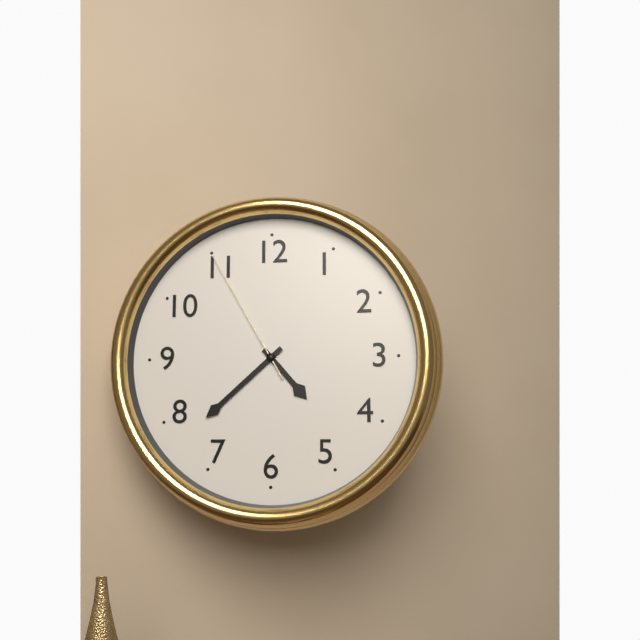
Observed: 4.38.55
